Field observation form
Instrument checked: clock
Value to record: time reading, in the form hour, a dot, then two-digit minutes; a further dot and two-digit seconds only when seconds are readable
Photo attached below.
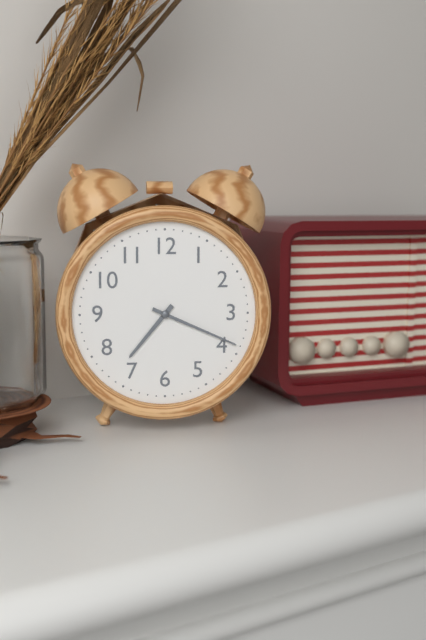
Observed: 7.19
